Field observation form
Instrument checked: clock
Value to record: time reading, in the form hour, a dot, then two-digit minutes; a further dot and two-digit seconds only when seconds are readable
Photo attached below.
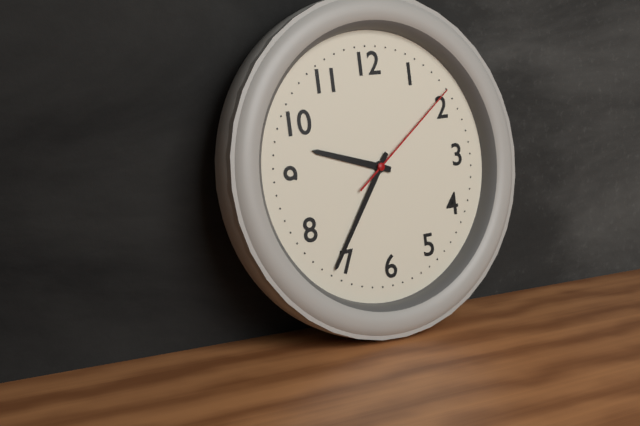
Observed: 9.36.09
